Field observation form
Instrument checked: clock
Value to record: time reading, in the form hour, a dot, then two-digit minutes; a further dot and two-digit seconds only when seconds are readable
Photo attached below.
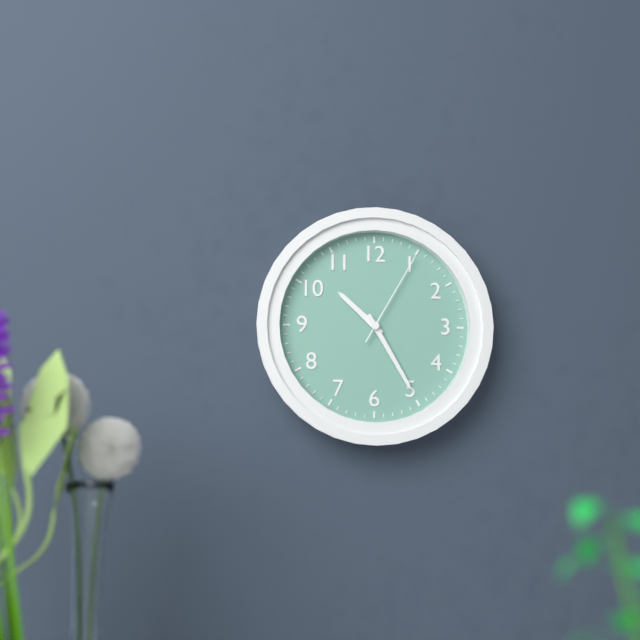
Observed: 10.25.05
